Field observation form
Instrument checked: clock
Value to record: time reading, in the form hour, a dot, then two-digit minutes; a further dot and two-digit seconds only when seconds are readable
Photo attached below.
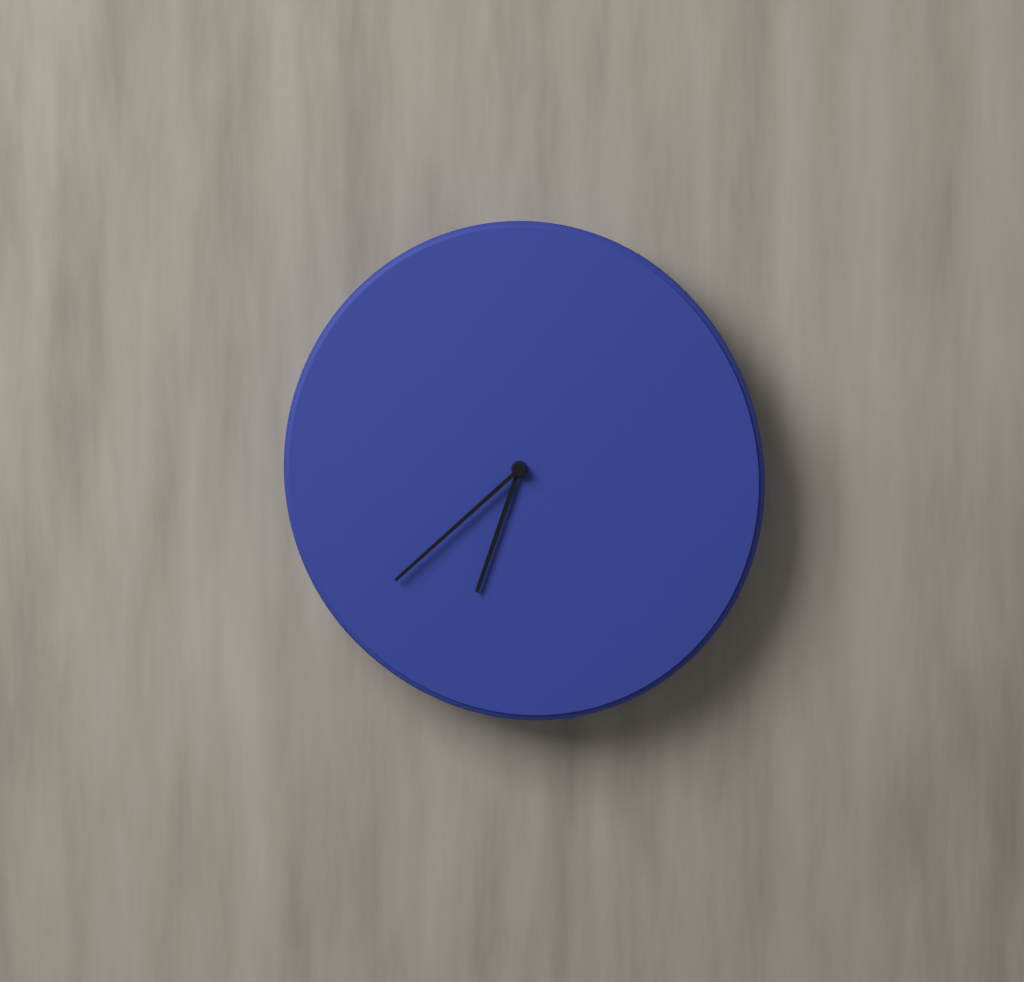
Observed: 6.38
